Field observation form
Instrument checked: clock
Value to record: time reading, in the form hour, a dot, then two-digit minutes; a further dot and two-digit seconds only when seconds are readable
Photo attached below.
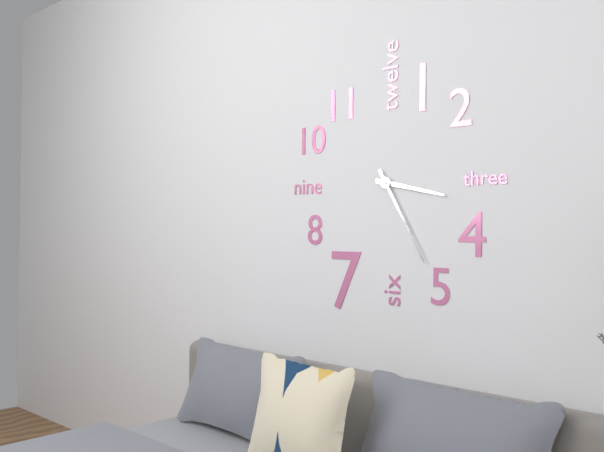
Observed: 3.25
